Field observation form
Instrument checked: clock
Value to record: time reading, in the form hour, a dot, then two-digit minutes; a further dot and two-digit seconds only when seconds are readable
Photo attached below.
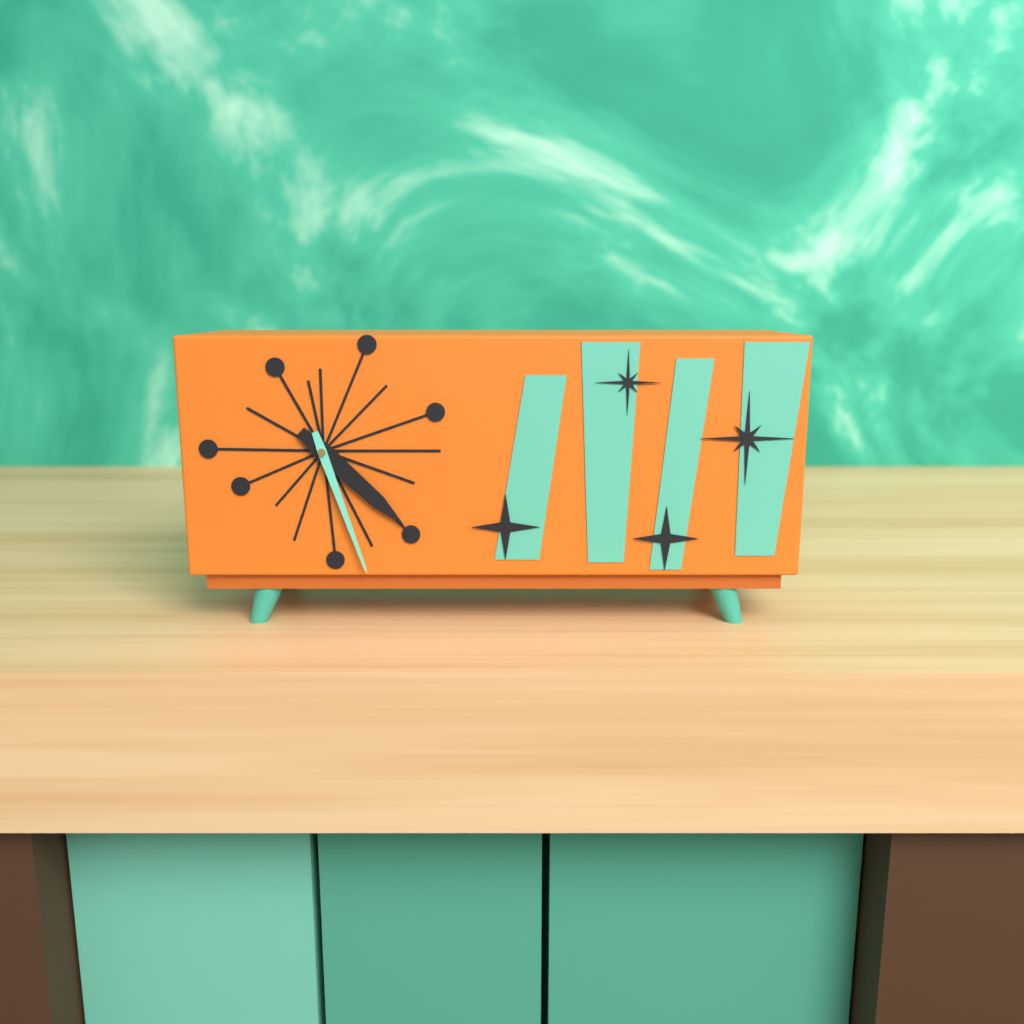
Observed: 4.27
